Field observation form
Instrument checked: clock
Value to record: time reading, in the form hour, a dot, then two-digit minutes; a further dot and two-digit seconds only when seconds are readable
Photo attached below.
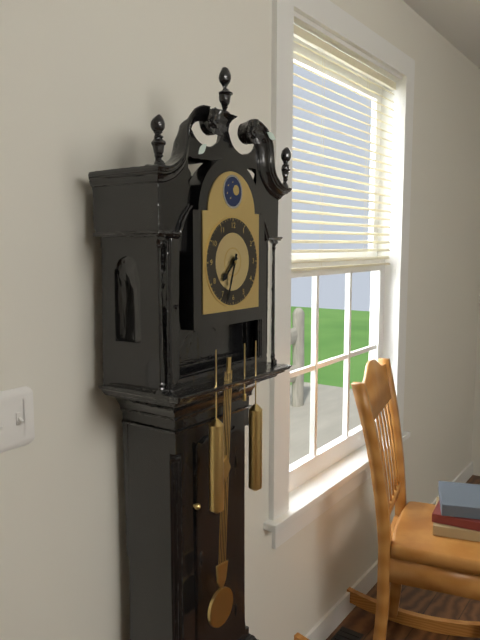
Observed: 7.33
